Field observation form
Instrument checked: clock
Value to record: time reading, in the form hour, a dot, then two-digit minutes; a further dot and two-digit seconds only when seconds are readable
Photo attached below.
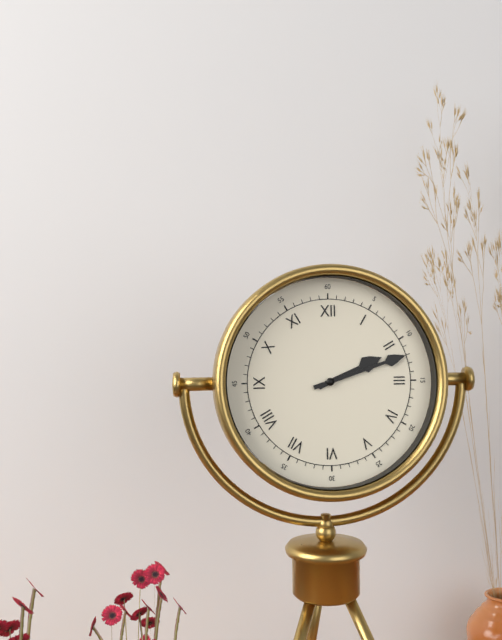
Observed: 2.12
